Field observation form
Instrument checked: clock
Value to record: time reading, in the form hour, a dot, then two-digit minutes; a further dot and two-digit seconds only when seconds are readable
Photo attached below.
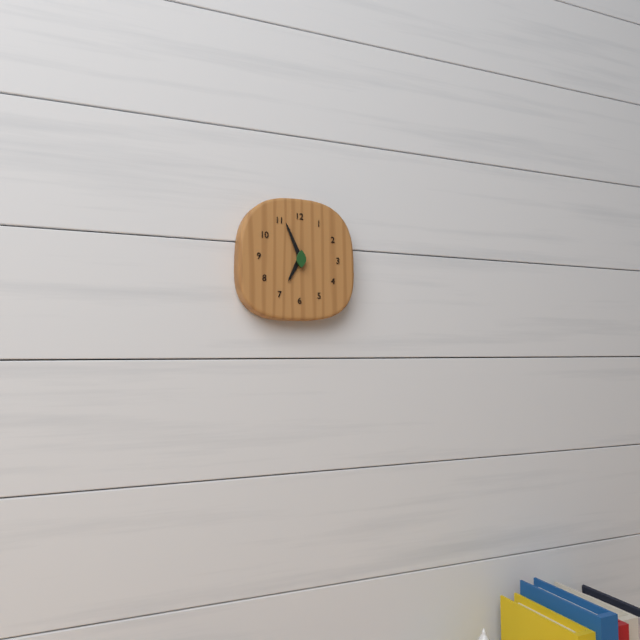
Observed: 6.56
